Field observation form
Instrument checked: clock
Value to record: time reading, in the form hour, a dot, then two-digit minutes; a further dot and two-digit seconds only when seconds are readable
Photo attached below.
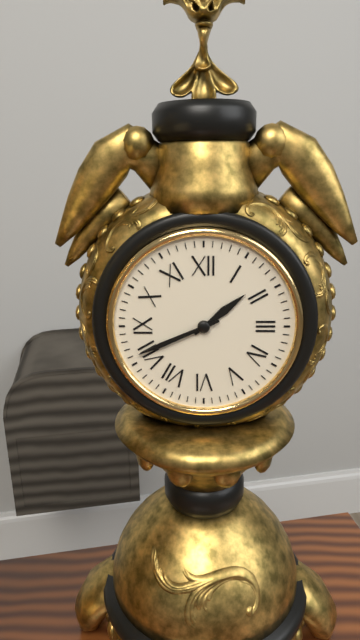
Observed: 1.41
